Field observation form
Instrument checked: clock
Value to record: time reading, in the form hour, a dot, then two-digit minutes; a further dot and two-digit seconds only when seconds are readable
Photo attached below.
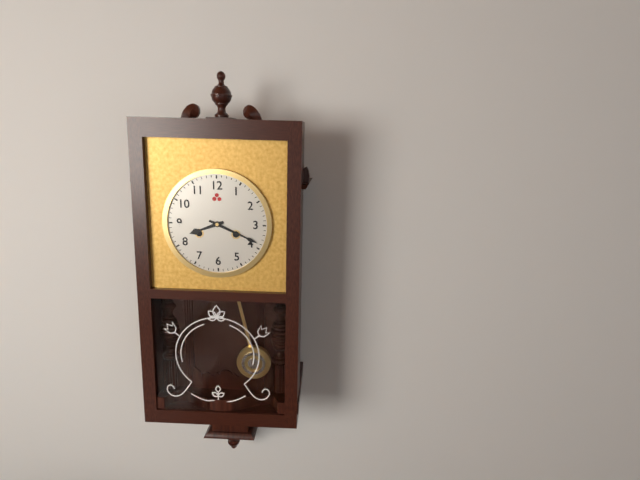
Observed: 8.19
